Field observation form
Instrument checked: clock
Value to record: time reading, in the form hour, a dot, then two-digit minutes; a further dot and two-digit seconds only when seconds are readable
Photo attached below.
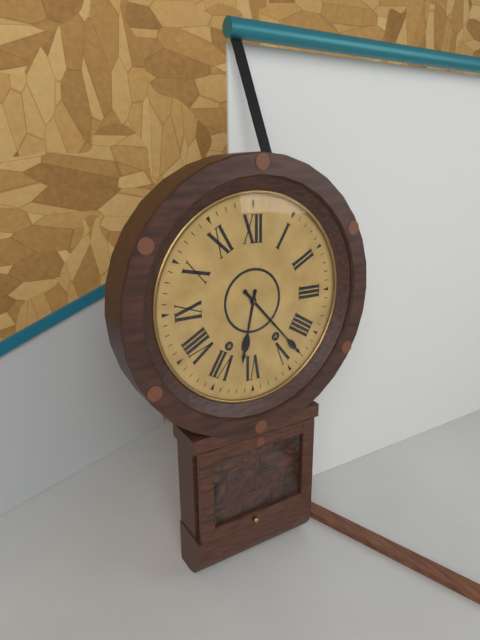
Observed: 6.23
